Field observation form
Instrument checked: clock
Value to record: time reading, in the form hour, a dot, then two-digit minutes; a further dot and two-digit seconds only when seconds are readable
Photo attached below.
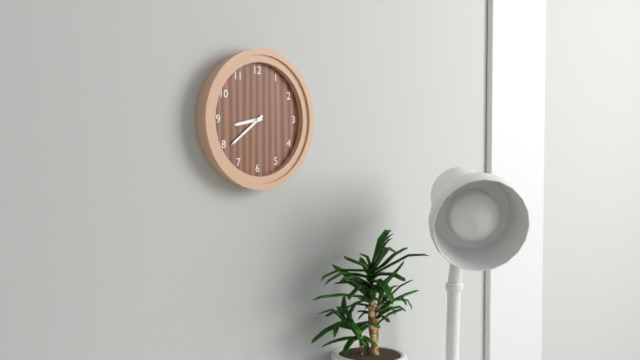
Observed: 8.39
